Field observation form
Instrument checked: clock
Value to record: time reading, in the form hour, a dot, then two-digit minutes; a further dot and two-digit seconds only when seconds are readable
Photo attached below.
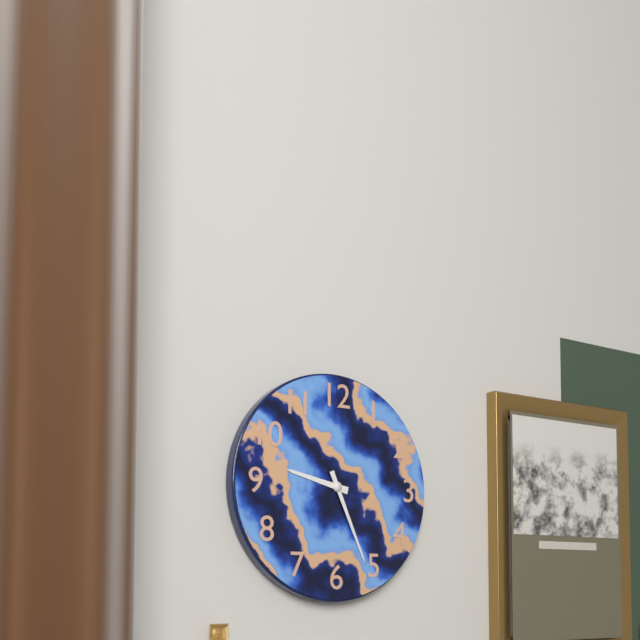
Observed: 9.26
